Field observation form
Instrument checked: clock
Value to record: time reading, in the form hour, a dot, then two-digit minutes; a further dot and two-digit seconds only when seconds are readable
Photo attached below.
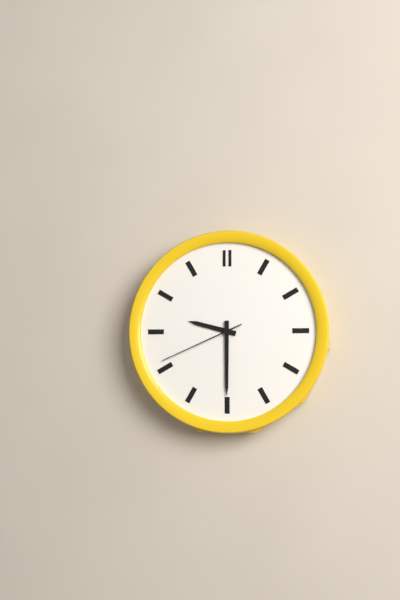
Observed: 9.30.41
